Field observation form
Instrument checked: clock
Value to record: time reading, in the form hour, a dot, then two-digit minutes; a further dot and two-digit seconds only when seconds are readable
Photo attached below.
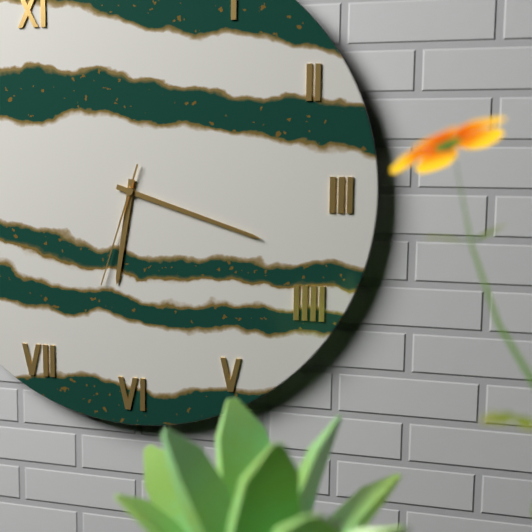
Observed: 6.18.33
